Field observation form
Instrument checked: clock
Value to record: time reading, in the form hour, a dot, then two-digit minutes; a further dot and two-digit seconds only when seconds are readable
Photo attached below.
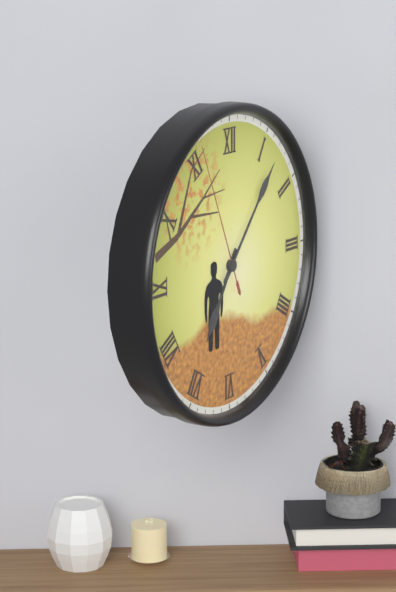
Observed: 7.07.56
